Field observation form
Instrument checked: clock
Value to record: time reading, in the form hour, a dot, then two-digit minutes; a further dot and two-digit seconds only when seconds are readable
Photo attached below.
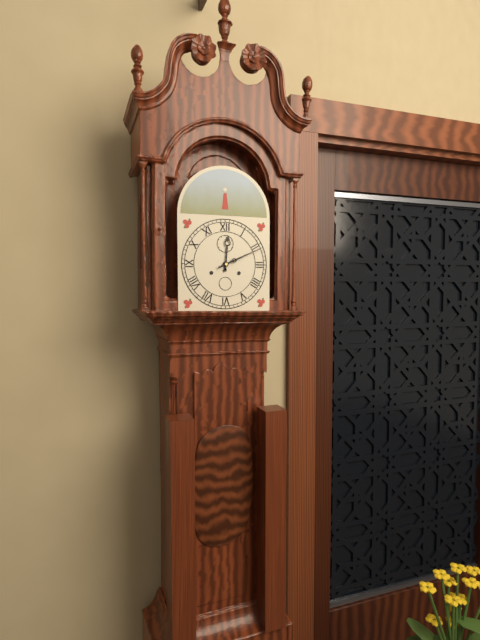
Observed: 12.11
